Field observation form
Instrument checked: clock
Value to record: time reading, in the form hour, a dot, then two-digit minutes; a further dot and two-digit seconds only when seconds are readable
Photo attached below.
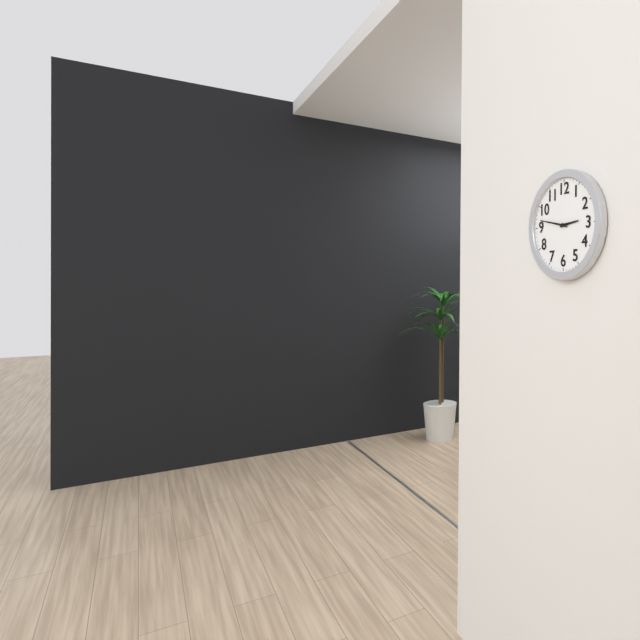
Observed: 2.47
